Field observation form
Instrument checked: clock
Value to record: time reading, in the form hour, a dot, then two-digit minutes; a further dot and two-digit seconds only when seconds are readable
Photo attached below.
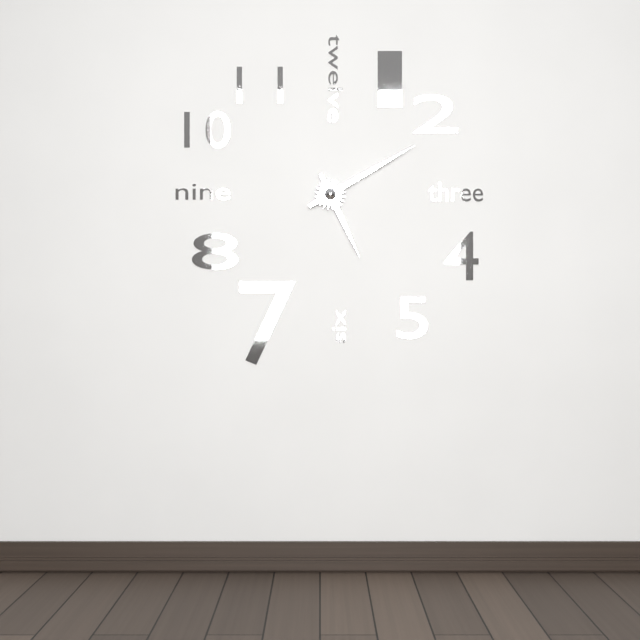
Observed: 5.10
